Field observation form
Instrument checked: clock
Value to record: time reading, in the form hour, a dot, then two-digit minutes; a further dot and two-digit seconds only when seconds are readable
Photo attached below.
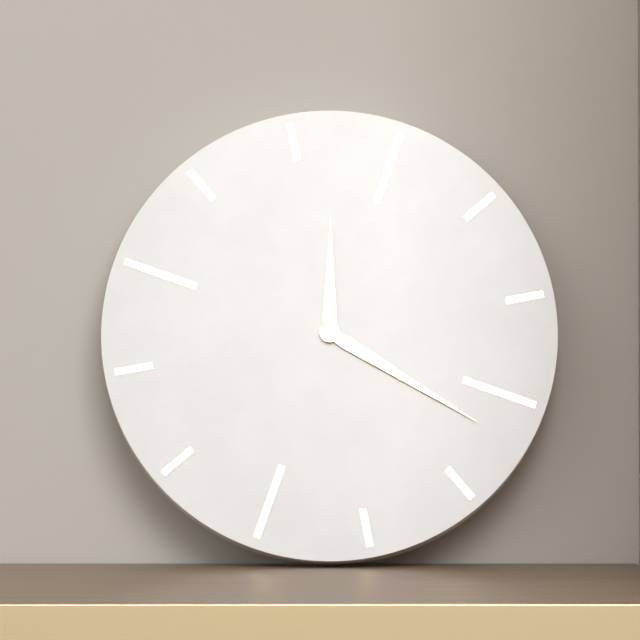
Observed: 12.22
